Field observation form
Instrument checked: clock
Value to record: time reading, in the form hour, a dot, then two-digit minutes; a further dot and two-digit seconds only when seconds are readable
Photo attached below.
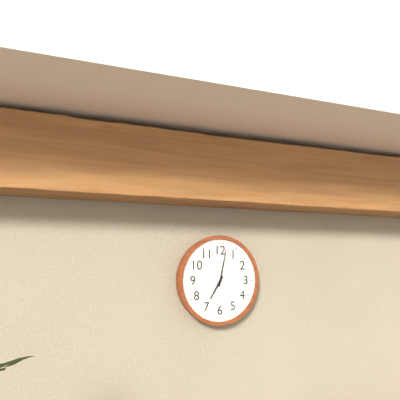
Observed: 7.02
